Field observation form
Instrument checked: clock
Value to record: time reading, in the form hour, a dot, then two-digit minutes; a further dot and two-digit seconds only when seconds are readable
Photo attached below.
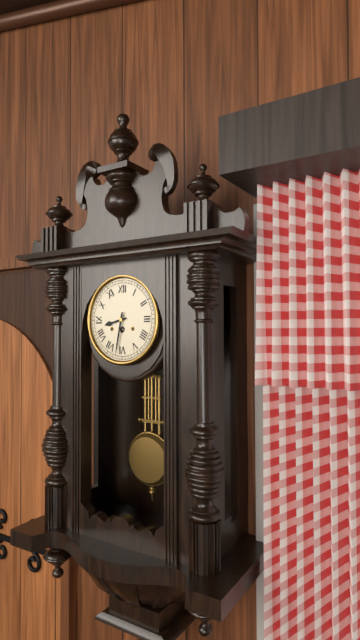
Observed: 8.32
